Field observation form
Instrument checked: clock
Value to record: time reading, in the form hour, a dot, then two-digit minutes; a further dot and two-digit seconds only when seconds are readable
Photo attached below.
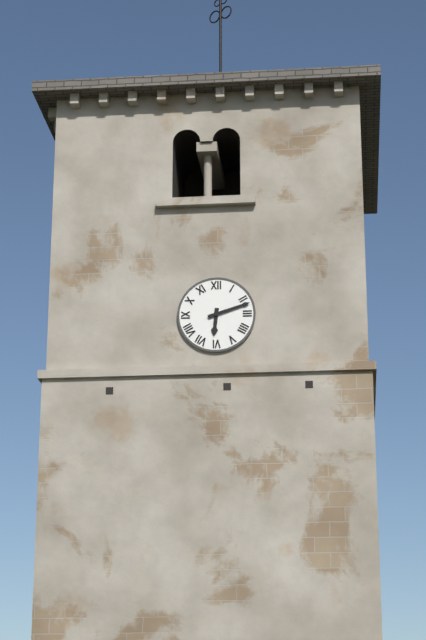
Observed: 6.12
